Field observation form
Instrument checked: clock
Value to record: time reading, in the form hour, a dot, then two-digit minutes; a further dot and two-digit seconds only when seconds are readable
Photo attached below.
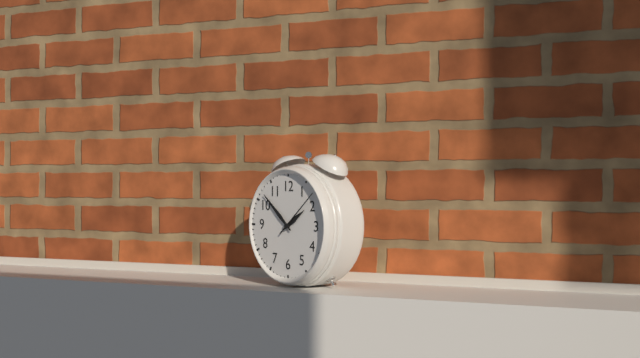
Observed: 1.52.08
